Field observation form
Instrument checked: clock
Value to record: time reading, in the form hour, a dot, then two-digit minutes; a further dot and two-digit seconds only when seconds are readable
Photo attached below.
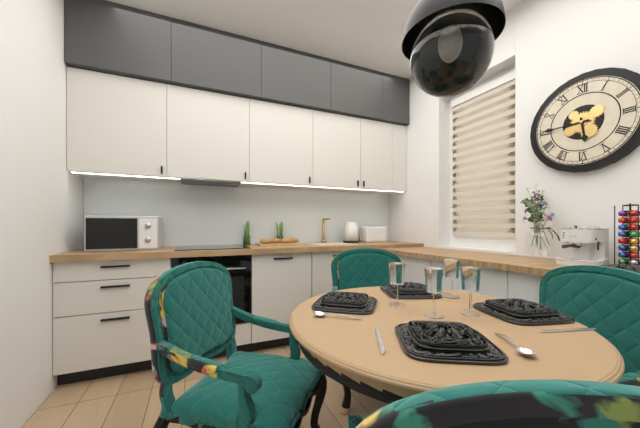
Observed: 5.45
